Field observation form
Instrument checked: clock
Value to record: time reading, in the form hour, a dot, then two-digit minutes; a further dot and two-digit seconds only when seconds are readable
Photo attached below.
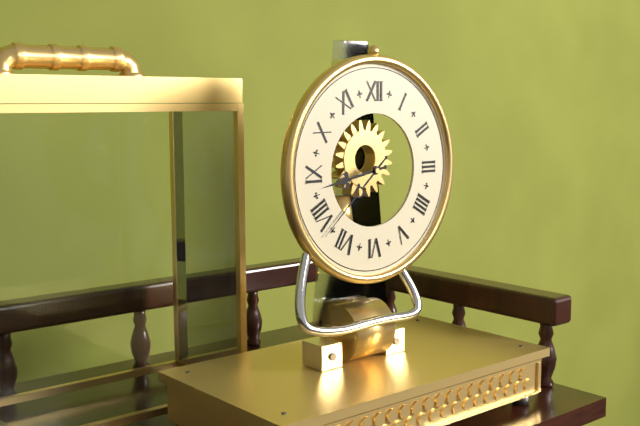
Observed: 8.38
